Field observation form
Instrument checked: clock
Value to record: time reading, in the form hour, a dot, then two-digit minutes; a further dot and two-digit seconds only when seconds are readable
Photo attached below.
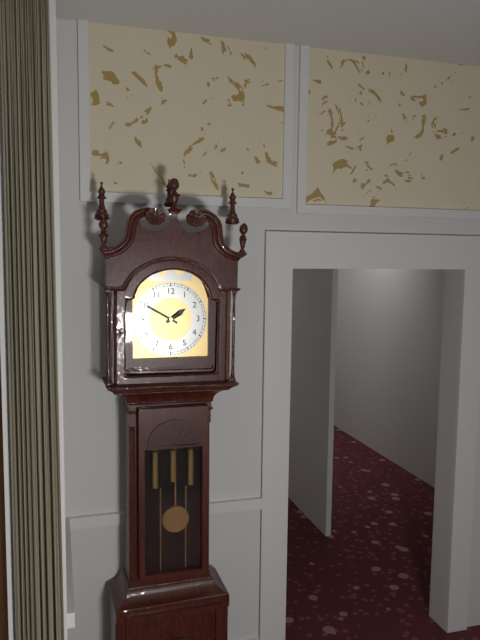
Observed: 1.50
